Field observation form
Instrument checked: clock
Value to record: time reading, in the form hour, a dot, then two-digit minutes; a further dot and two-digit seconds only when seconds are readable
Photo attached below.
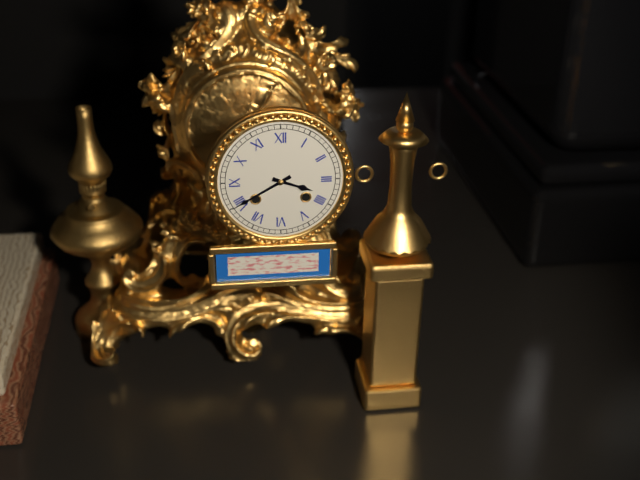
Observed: 3.40
